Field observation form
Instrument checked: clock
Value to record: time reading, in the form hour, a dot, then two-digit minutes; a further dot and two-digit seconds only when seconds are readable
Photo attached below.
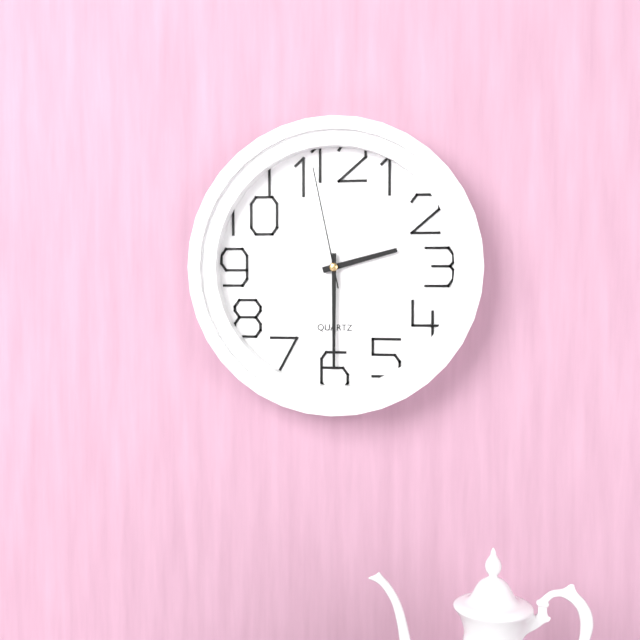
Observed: 2.30.58
